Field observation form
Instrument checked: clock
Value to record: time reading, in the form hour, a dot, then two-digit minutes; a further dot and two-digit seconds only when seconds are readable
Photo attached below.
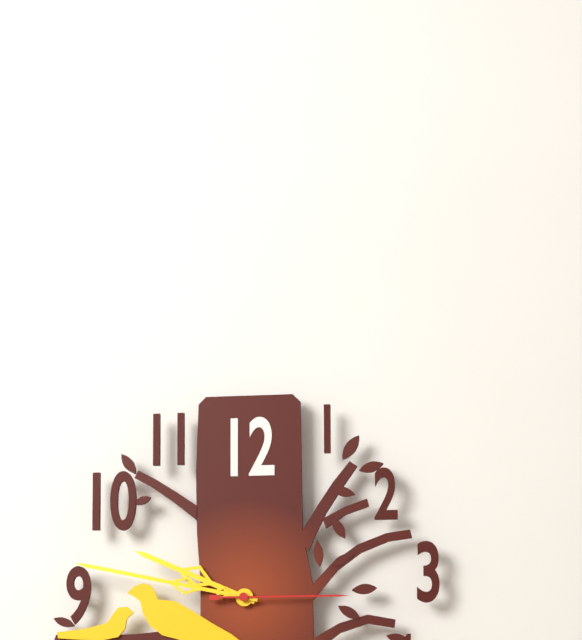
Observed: 9.47.15
